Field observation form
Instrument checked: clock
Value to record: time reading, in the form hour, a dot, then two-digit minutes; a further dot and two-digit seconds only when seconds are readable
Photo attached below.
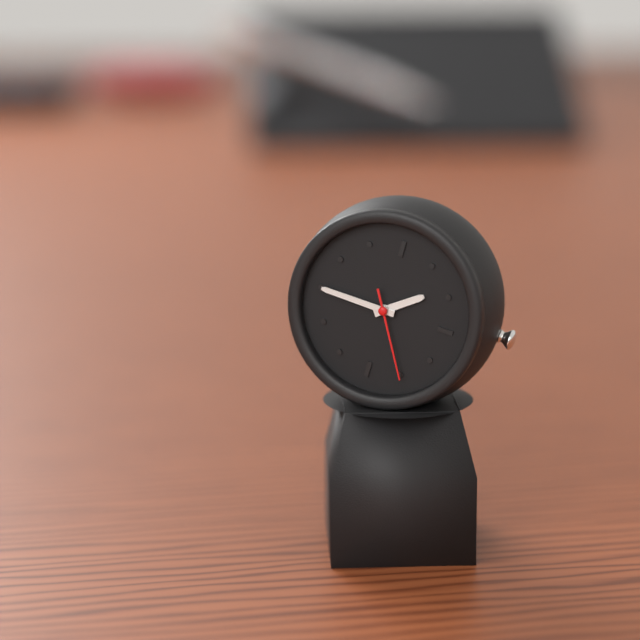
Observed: 1.45.25
